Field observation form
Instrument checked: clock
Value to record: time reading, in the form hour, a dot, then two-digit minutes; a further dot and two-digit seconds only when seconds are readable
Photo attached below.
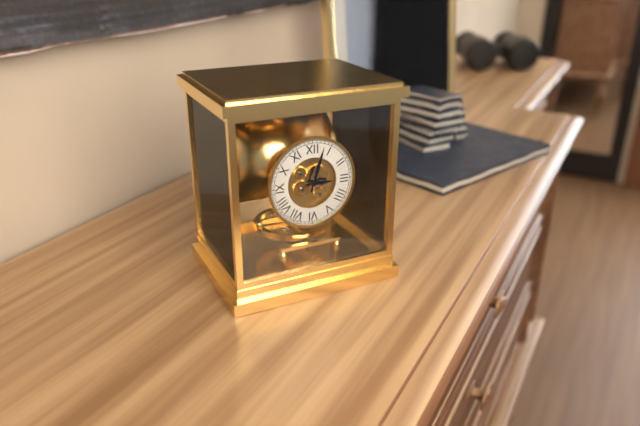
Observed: 3.03
